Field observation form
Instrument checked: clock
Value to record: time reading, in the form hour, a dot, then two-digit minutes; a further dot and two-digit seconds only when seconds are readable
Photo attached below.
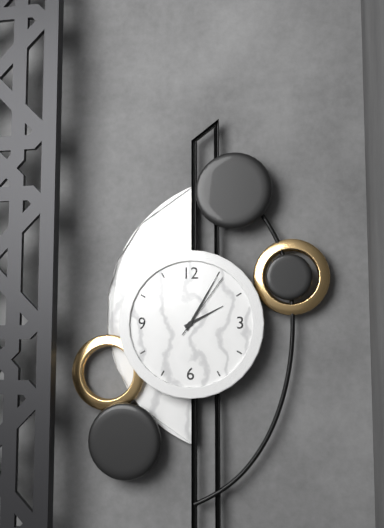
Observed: 2.05.06
